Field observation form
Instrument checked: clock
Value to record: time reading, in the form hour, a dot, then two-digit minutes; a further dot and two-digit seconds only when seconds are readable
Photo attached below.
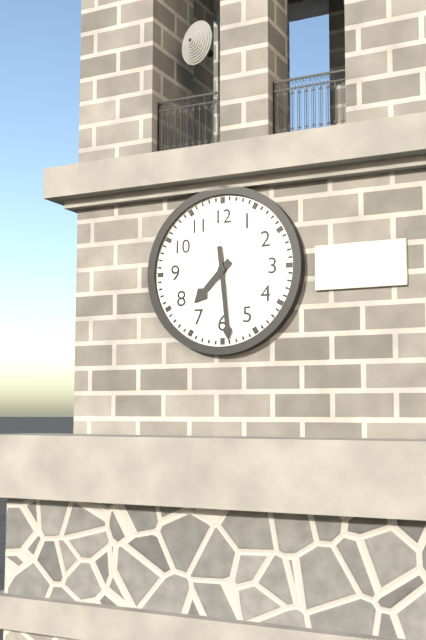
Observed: 7.29
